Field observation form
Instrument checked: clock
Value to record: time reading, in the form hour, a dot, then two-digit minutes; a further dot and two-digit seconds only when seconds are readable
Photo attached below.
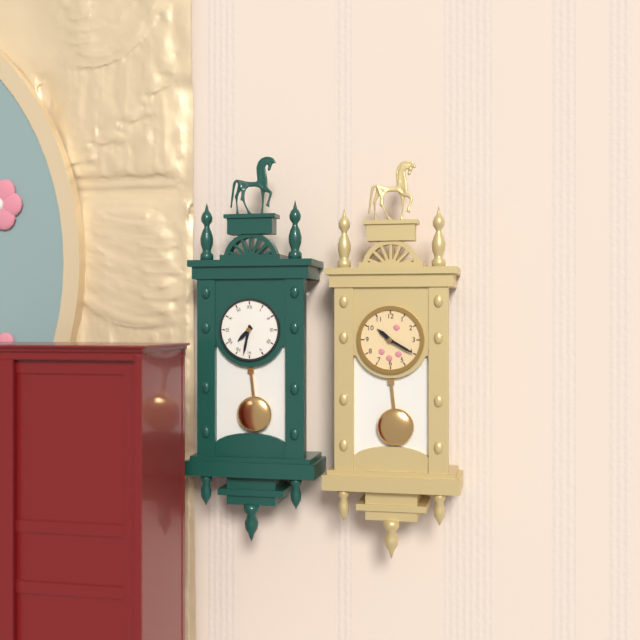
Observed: 7.32
